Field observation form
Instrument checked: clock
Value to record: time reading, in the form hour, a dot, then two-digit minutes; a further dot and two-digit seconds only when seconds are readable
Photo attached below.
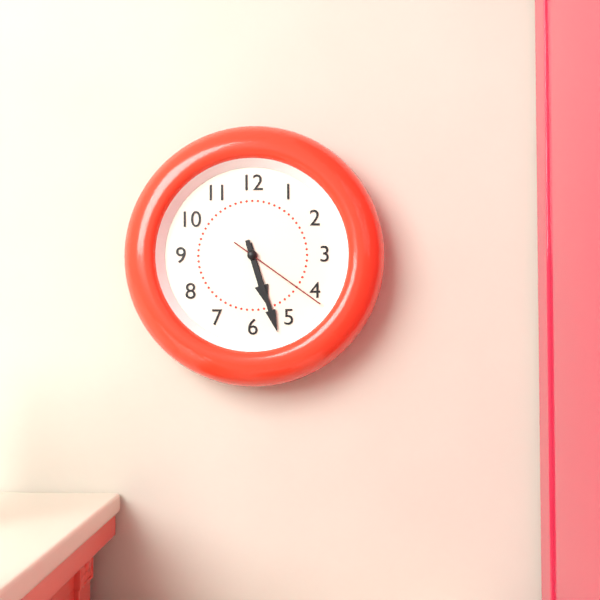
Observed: 5.27.21
